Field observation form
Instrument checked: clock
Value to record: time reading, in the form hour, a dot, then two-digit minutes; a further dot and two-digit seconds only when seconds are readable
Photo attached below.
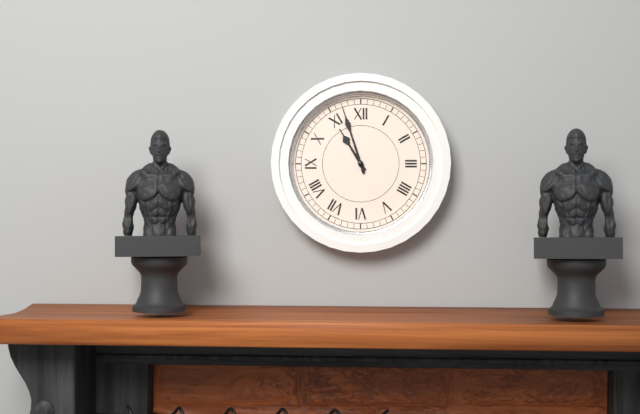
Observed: 10.57
